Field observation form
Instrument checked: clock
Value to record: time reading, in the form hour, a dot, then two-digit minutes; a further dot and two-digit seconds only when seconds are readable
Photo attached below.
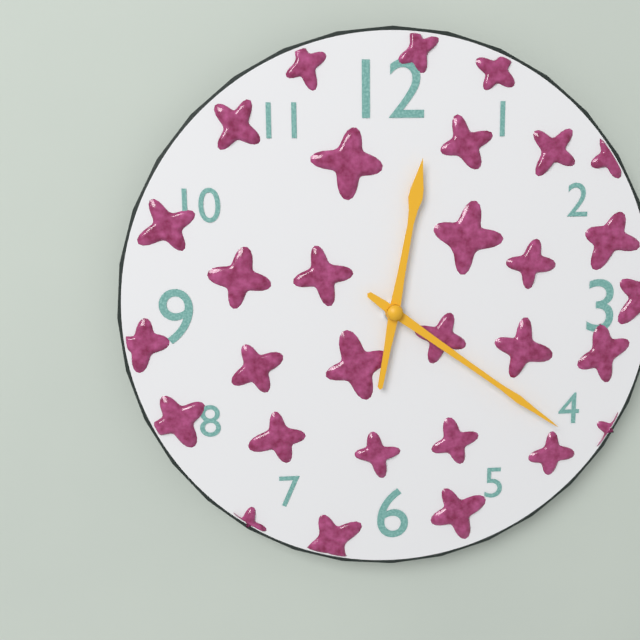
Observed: 12.21
